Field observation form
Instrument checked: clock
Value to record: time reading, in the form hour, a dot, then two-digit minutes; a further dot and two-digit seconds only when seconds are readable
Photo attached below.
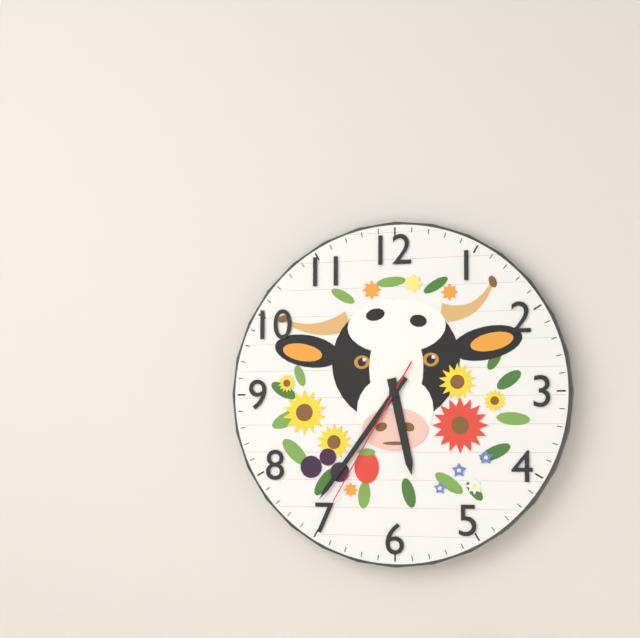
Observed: 5.36.35
